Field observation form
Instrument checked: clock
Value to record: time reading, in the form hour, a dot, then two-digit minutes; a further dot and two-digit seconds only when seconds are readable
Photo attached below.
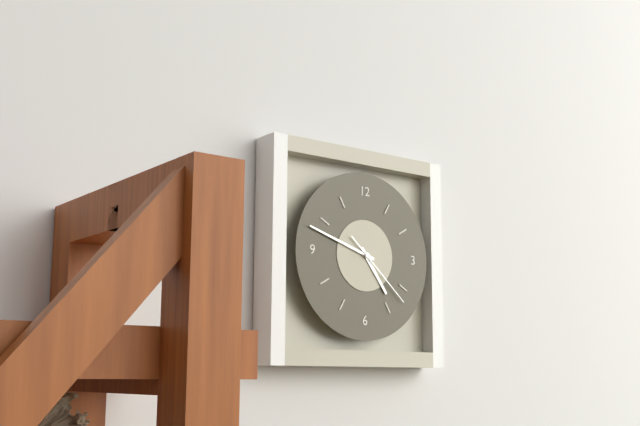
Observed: 4.48.22
